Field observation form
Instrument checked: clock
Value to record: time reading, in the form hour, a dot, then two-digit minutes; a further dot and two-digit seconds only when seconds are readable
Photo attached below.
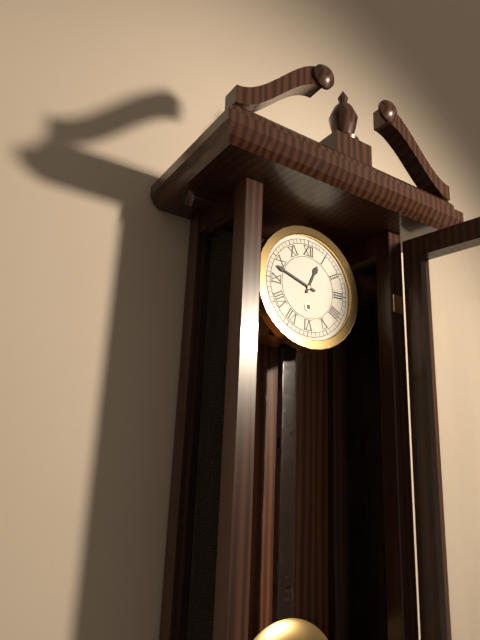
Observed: 12.48
